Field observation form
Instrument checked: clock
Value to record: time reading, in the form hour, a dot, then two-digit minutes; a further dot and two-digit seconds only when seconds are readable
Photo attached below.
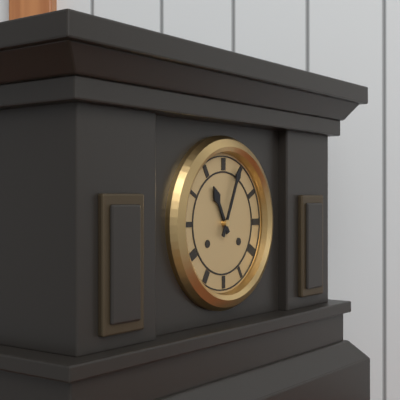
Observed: 11.04
